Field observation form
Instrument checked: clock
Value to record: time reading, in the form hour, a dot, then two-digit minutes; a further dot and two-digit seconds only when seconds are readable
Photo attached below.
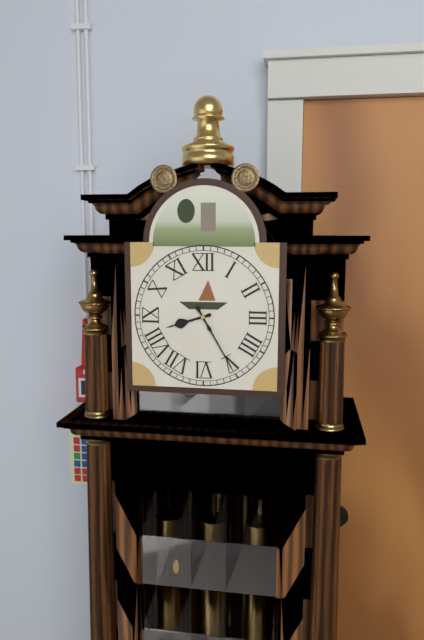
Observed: 8.25
